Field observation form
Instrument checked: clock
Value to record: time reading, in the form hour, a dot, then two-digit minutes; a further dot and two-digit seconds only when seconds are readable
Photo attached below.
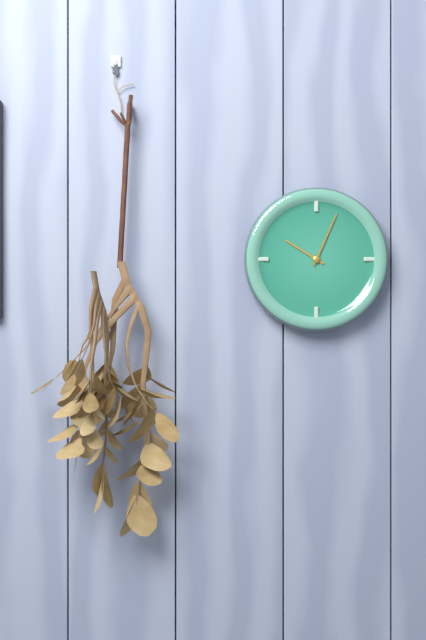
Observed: 10.04
